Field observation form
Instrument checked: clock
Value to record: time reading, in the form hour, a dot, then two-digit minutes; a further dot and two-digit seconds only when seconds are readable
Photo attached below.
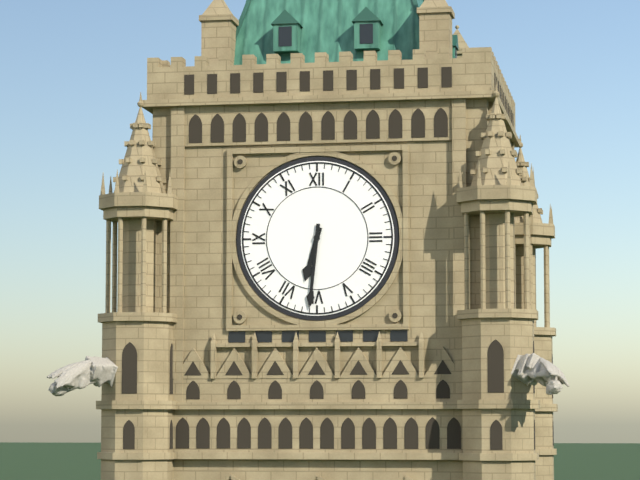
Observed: 6.31
